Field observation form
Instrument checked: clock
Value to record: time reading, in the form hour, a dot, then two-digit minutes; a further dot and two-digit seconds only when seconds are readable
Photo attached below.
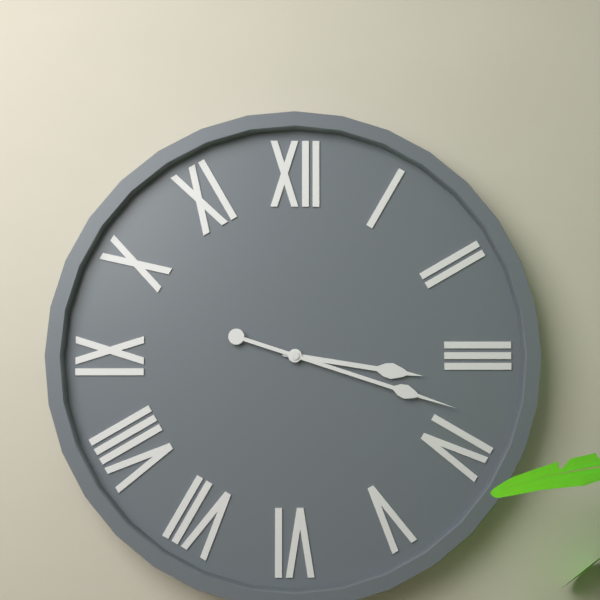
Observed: 3.18
